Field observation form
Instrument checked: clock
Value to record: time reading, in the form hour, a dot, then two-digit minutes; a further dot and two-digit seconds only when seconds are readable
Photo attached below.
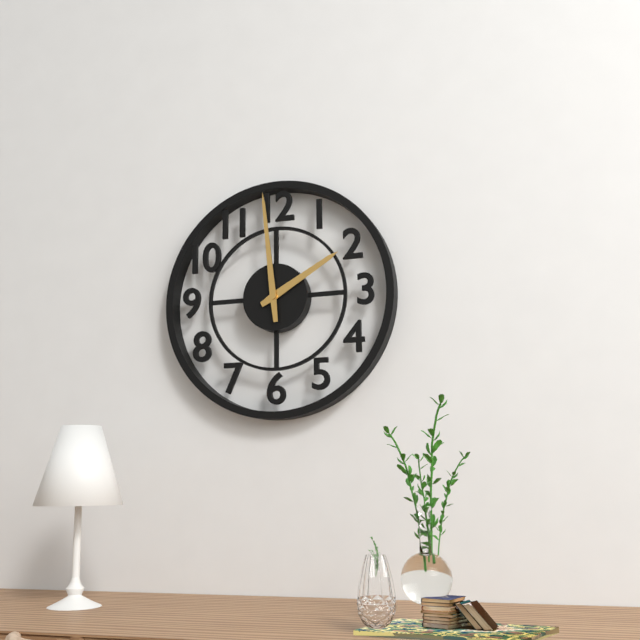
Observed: 1.59
